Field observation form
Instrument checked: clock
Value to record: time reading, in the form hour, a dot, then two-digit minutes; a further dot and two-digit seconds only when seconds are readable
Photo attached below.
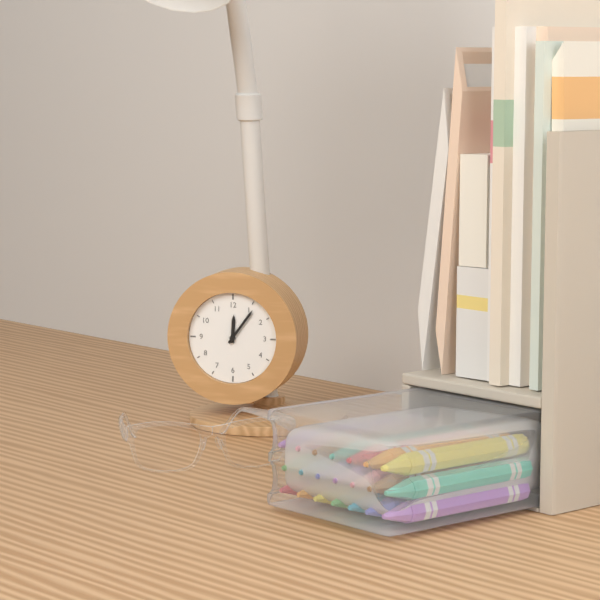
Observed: 12.06
